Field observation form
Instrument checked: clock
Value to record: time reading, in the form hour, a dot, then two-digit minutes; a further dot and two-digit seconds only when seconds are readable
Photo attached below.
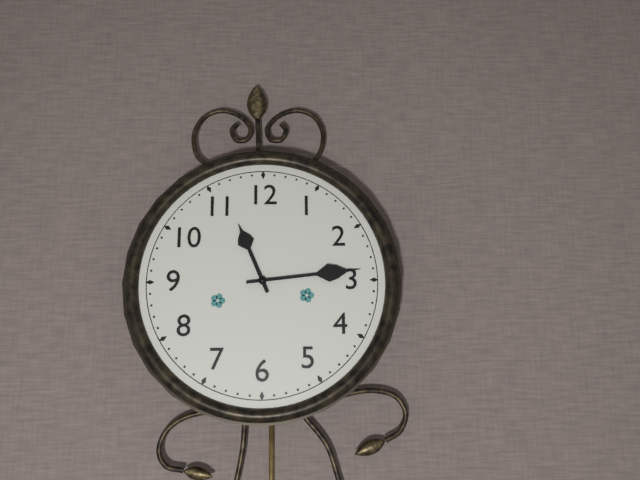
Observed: 11.14
